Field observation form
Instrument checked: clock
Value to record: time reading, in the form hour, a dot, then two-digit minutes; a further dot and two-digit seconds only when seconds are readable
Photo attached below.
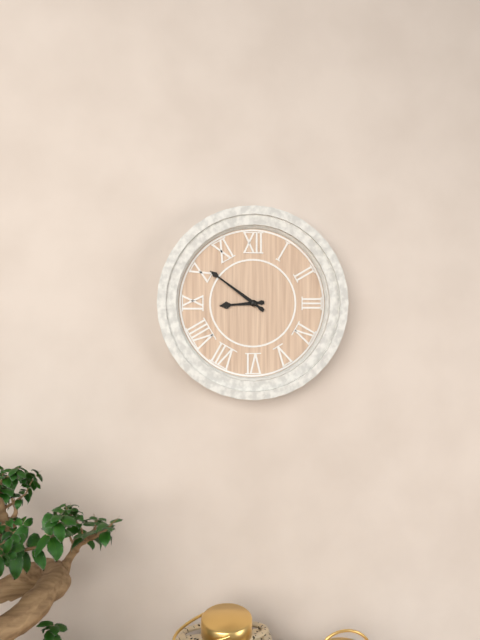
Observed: 8.51
